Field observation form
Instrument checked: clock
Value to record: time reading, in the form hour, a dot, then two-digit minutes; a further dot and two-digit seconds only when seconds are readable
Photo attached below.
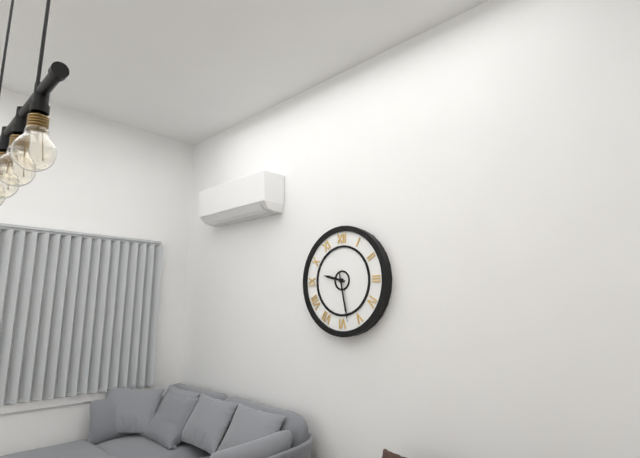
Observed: 9.28
